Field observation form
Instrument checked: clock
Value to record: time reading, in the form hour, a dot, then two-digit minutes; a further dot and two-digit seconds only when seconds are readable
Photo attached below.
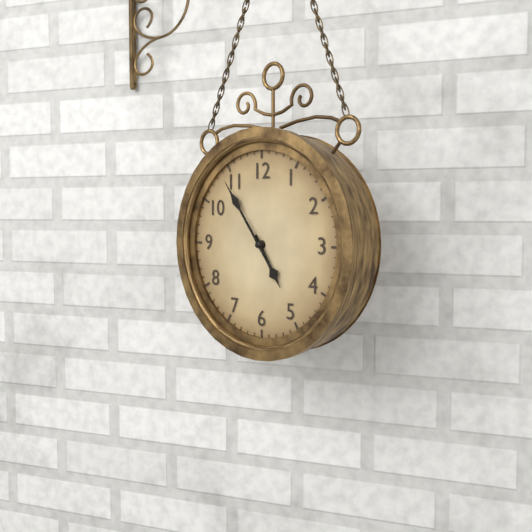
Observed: 4.54
